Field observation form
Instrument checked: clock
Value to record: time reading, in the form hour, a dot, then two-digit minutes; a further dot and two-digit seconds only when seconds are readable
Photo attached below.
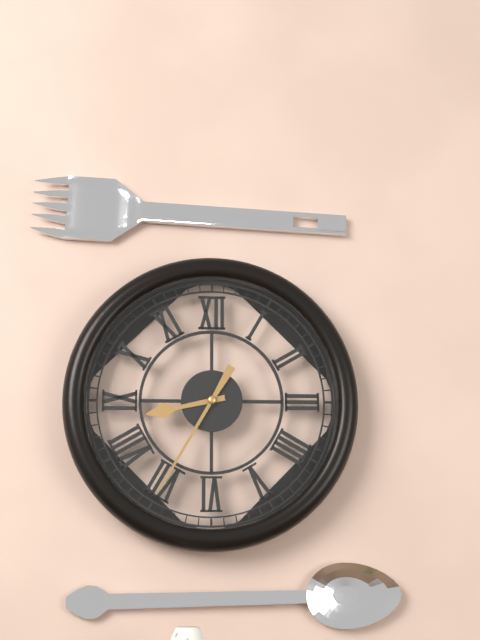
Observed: 8.35
